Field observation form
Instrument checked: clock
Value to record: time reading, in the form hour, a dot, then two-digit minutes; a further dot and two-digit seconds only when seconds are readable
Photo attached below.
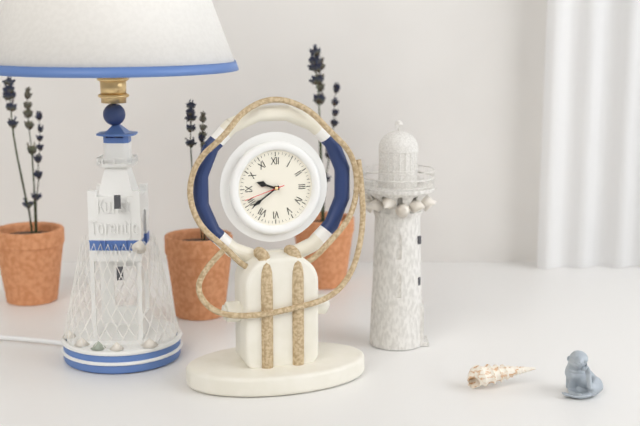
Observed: 9.39
